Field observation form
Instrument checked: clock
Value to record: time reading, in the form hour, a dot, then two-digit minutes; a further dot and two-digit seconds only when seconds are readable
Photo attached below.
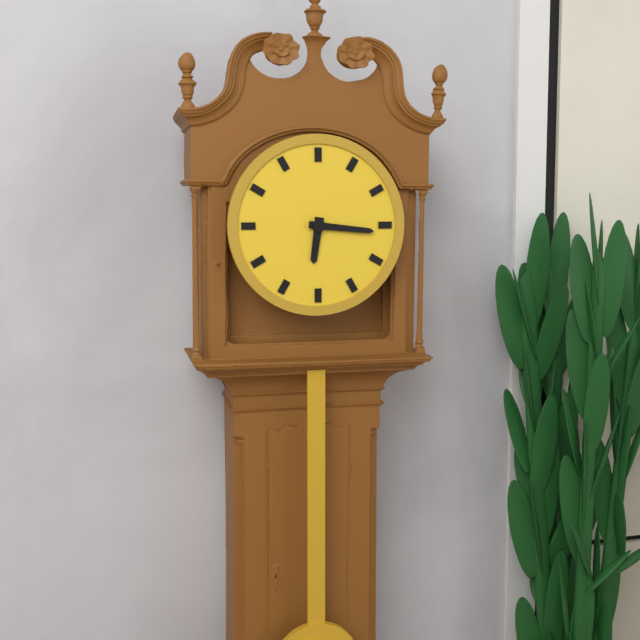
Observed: 6.16
